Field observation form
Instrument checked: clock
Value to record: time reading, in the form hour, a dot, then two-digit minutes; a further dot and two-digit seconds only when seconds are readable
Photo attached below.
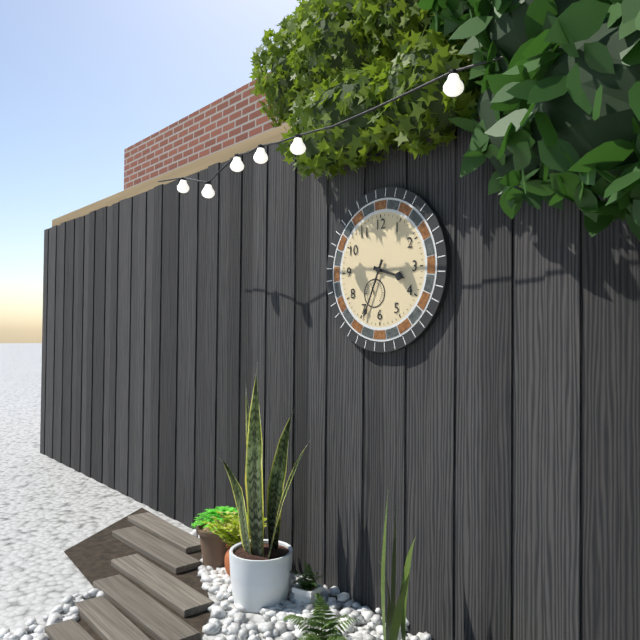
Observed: 3.34
